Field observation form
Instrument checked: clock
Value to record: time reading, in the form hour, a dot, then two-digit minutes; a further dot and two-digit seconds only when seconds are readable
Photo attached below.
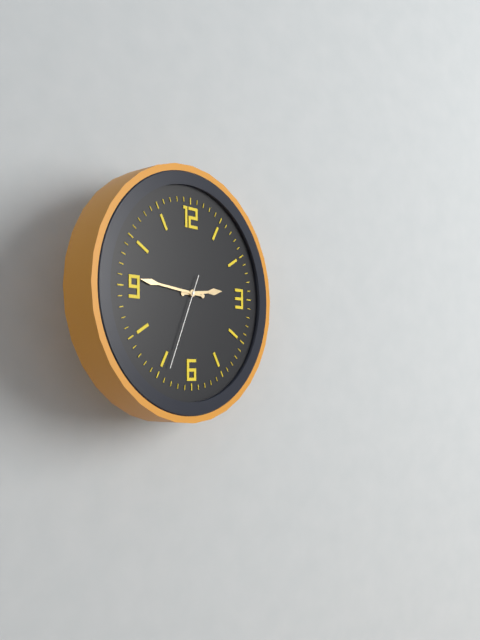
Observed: 2.46.34
